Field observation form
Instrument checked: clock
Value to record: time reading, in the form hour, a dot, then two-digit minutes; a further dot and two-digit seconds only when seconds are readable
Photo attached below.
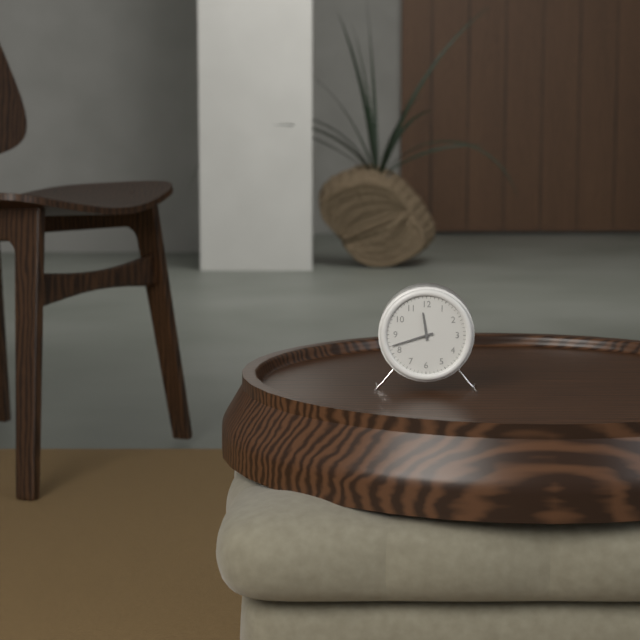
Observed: 11.42
